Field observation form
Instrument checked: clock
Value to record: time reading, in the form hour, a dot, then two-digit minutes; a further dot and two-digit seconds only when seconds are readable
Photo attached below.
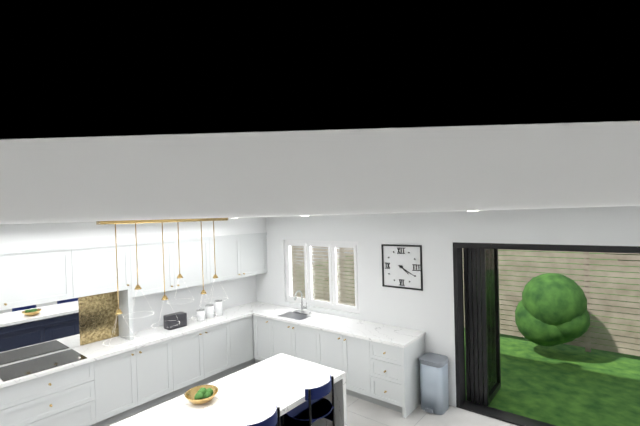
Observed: 4.20
